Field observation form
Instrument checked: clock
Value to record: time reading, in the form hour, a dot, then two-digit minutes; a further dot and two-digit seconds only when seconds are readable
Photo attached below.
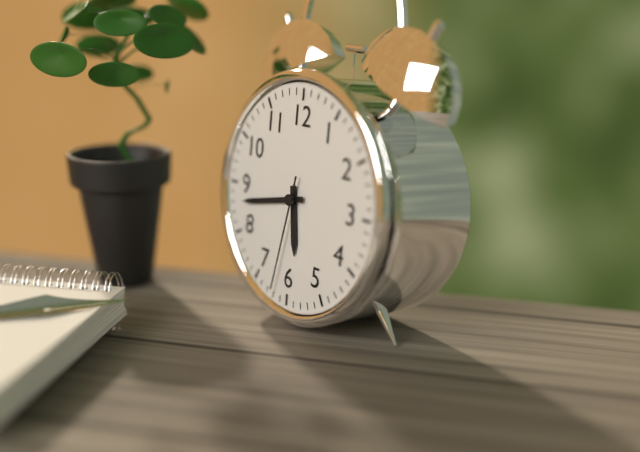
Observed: 5.43.32
